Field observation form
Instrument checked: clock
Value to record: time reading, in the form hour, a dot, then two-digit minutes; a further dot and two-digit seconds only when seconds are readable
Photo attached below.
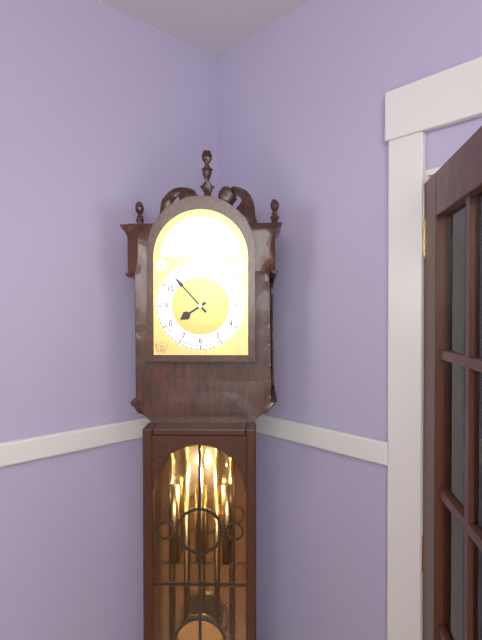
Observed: 7.53
